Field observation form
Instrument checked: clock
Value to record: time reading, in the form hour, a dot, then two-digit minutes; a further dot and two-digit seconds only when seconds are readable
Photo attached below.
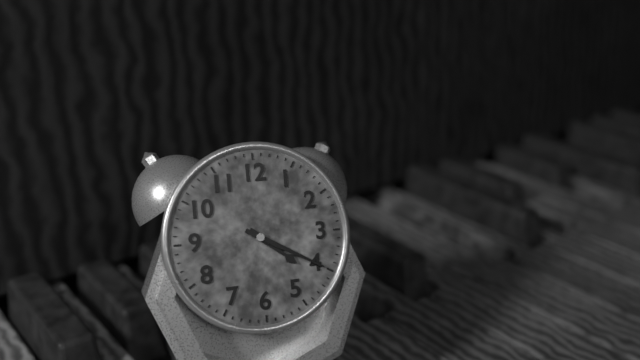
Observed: 4.20
